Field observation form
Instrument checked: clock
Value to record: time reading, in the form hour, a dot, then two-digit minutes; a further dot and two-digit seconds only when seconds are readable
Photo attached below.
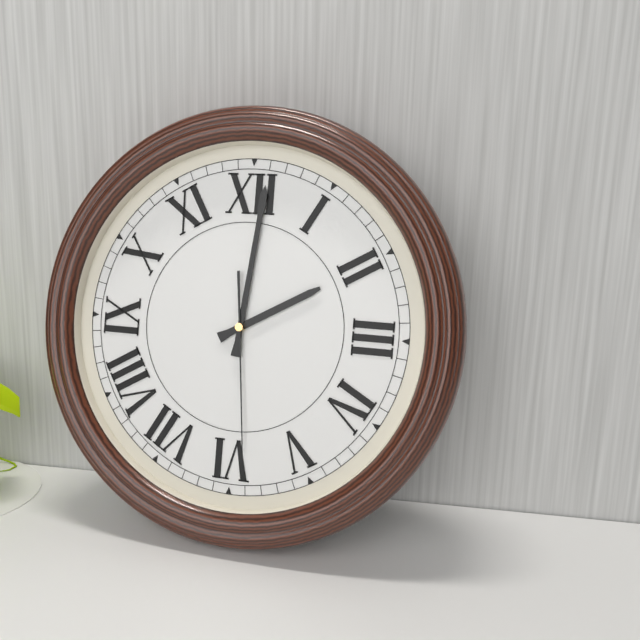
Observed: 2.01.29
